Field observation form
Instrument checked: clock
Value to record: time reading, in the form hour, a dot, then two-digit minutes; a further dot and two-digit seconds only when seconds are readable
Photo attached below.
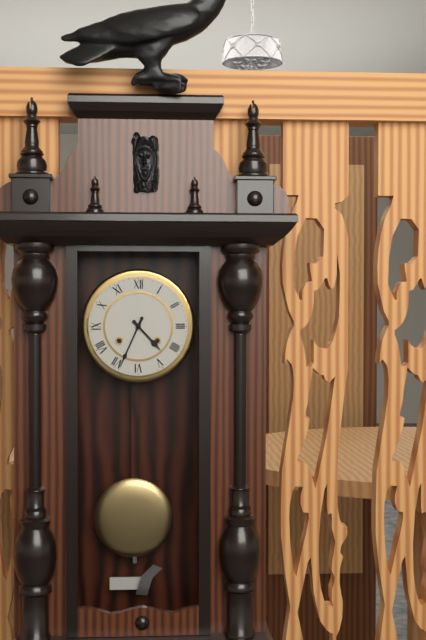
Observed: 4.34
